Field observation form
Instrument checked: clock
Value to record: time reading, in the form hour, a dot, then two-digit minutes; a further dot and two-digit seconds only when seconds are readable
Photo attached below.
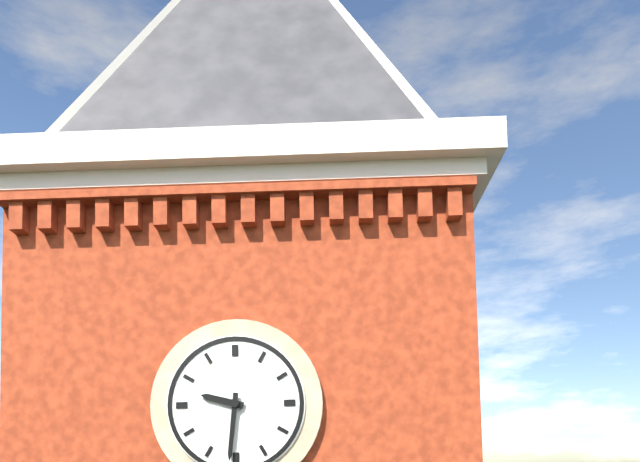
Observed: 9.31
